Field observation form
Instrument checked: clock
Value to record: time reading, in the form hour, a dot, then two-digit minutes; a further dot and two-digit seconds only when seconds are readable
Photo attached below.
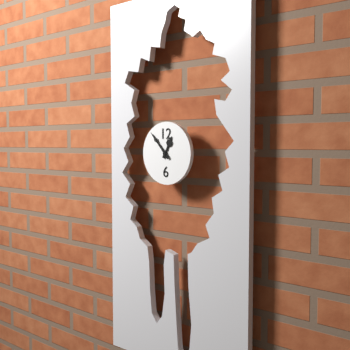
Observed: 12.53
